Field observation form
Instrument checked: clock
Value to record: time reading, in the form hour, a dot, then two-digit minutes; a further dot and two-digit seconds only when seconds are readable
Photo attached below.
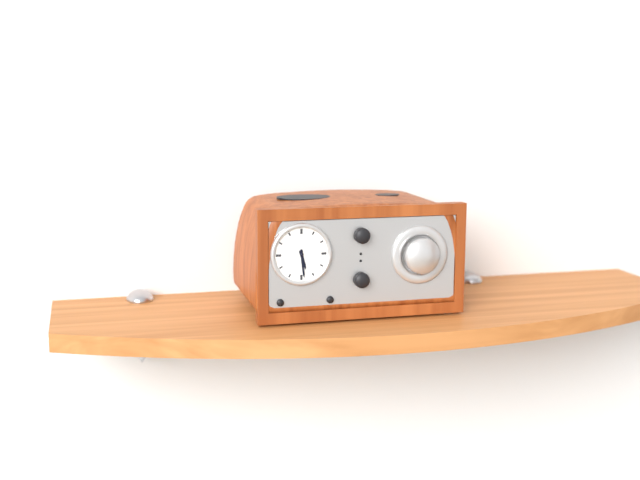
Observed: 5.29
